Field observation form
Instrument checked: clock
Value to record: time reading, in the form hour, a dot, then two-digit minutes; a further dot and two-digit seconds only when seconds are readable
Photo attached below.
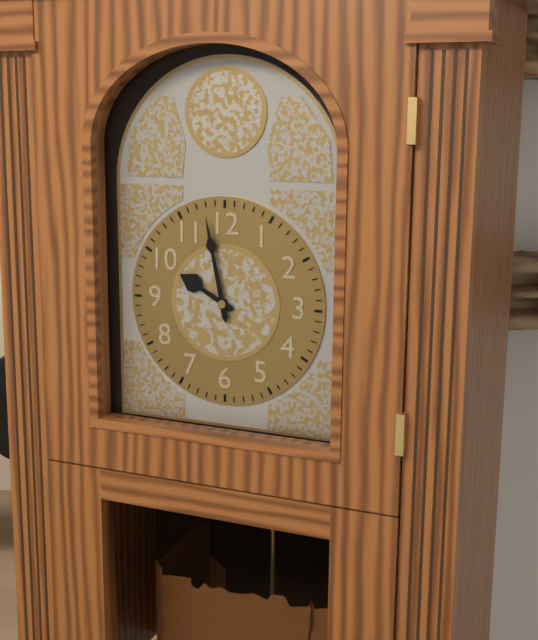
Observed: 9.58
